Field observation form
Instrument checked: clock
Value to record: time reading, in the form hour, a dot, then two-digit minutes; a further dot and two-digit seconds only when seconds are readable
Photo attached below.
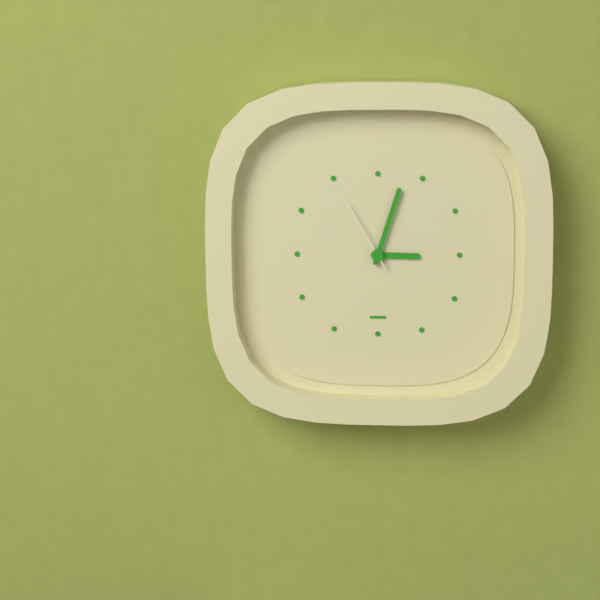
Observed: 3.03.55
